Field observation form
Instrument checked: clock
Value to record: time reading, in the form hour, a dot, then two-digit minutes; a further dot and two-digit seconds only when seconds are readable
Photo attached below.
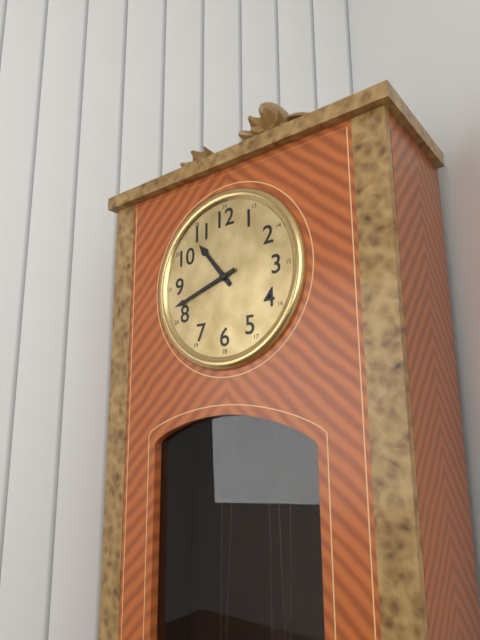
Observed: 10.42
